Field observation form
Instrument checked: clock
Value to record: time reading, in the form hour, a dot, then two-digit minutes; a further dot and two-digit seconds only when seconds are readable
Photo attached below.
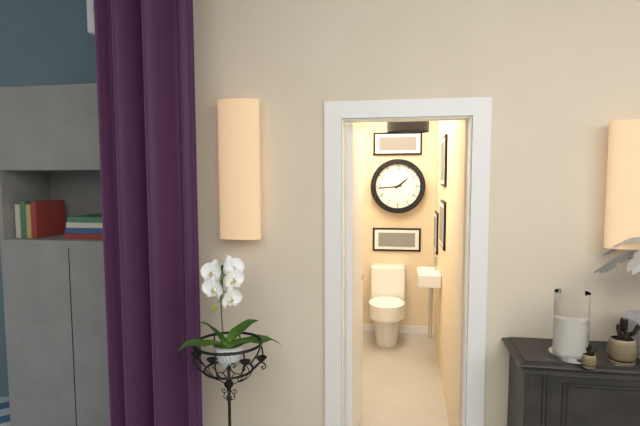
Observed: 1.44
